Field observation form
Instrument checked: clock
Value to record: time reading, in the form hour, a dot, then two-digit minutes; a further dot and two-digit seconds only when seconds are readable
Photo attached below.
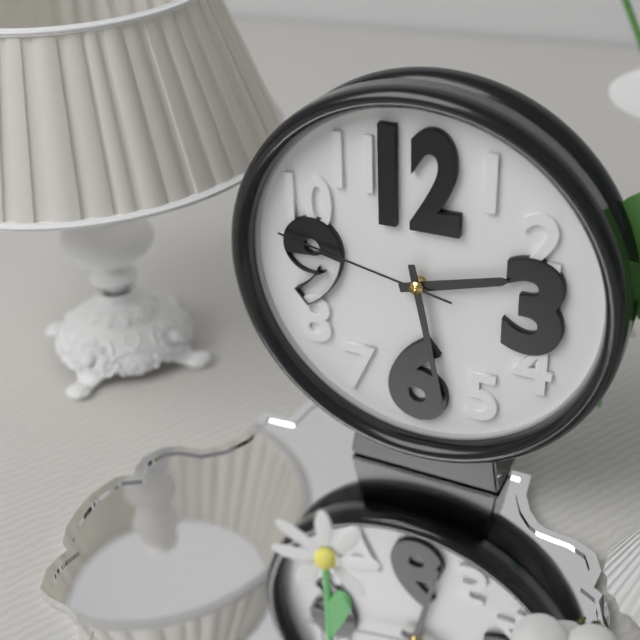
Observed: 2.28.47
